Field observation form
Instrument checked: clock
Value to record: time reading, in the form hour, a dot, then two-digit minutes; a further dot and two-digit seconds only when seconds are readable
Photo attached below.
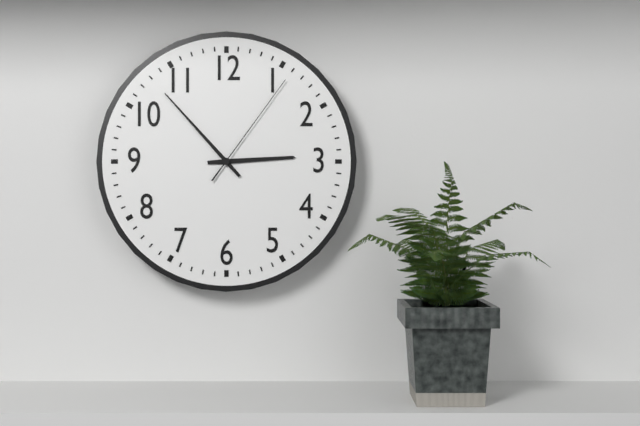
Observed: 2.53.06
